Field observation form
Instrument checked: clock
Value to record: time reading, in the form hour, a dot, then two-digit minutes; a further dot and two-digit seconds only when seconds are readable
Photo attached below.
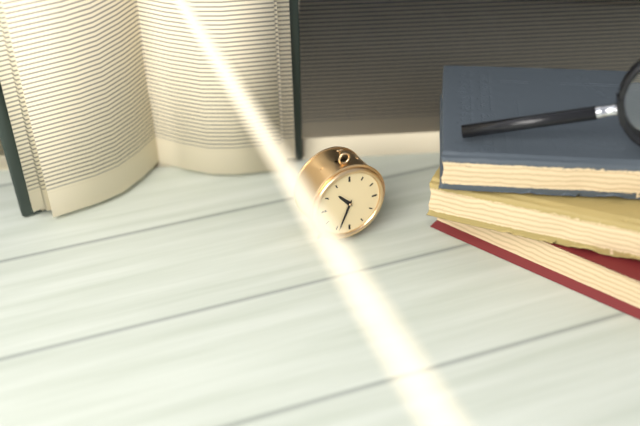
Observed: 10.34
